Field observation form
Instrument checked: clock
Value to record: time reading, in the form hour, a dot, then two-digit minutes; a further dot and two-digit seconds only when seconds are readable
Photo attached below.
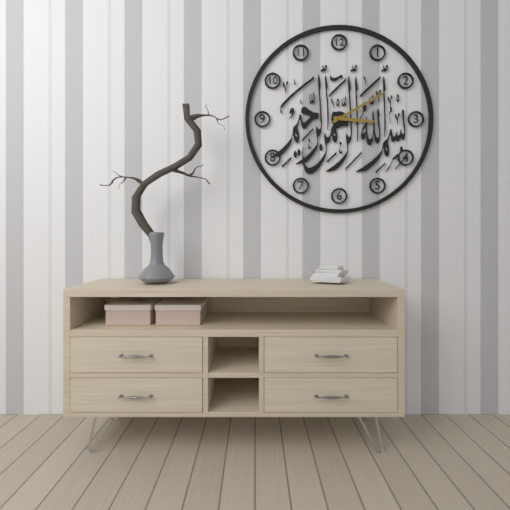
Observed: 3.10
